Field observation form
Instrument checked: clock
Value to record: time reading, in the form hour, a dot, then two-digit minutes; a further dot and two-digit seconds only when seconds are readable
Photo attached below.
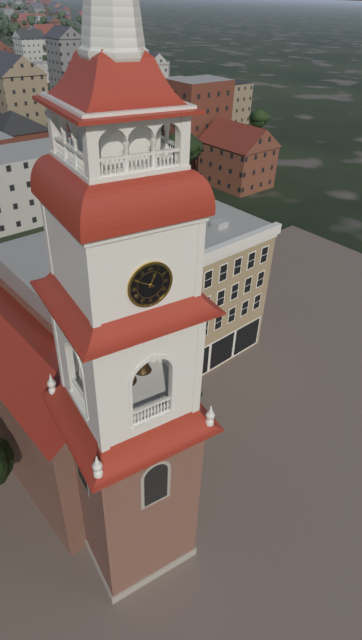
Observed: 12.50
